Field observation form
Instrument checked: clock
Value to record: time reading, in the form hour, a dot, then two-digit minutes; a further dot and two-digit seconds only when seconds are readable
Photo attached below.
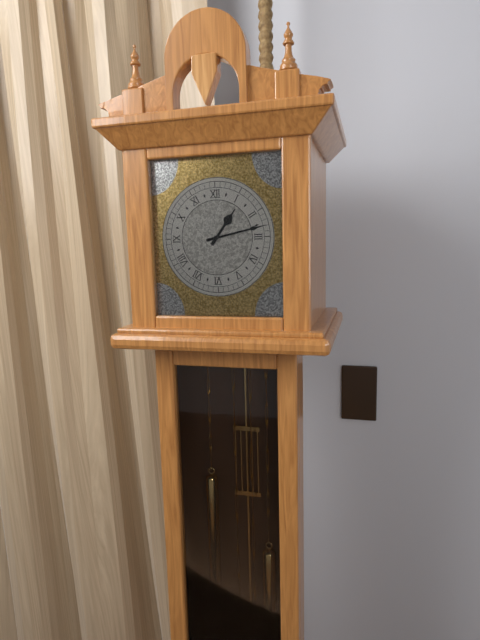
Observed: 1.13
